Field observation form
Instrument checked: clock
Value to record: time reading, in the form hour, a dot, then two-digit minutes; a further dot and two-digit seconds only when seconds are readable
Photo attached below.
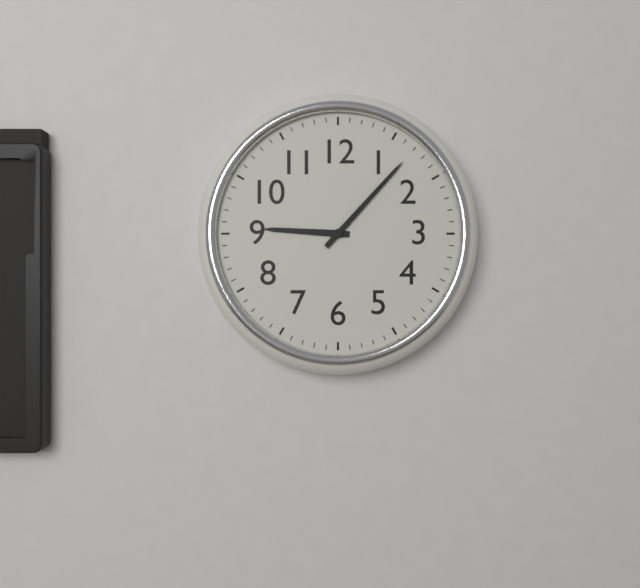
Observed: 9.07
